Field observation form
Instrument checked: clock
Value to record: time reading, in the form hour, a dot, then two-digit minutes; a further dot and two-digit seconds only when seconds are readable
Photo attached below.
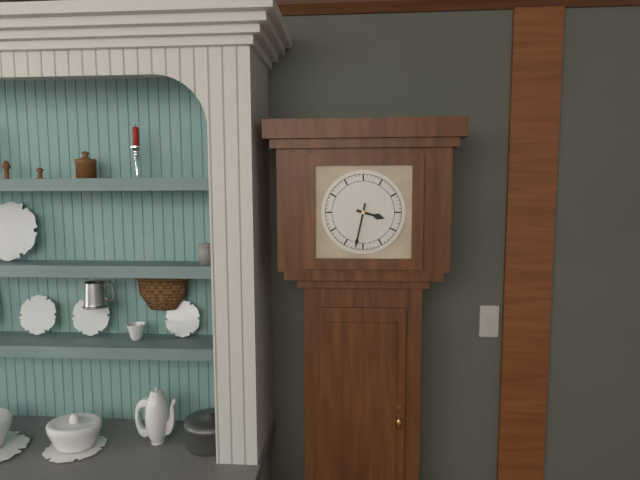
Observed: 3.32
